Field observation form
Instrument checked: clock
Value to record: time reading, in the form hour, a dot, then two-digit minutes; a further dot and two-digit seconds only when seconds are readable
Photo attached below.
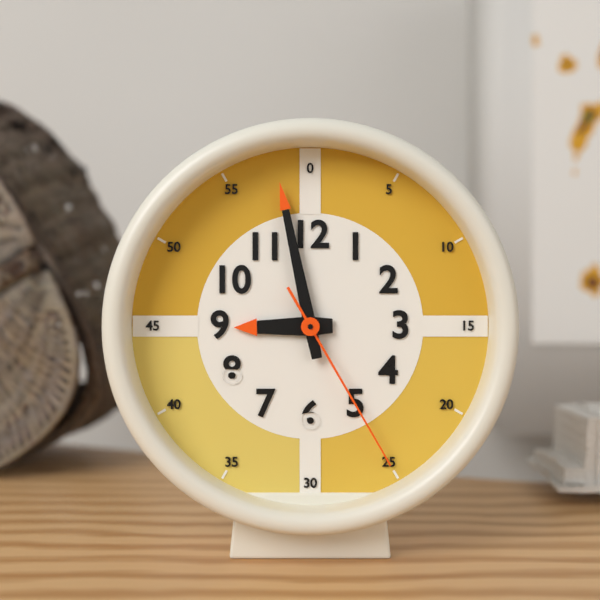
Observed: 8.58.25
